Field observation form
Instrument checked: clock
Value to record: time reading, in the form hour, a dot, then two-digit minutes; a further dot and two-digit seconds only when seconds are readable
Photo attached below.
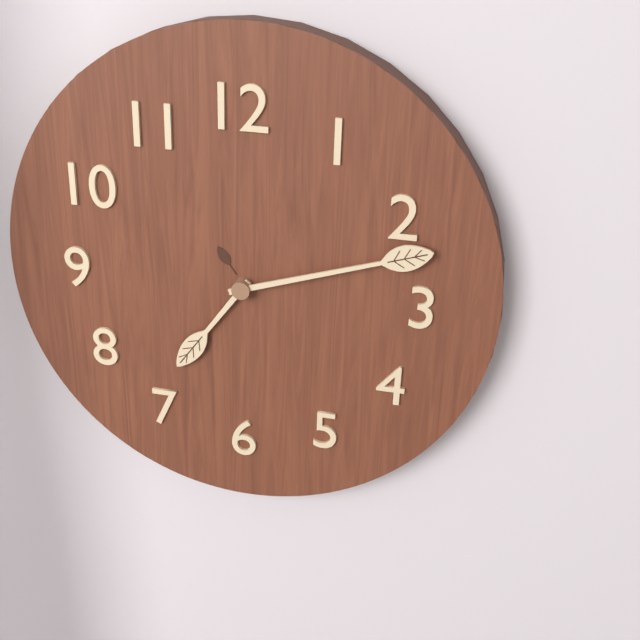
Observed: 7.12
